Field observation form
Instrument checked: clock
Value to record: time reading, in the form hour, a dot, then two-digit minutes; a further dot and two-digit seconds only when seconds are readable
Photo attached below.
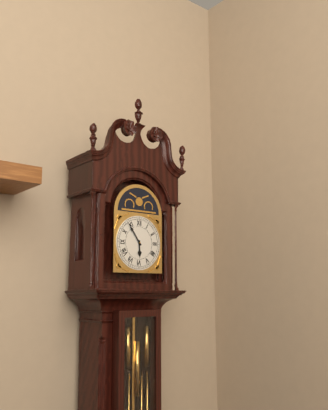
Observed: 5.54
